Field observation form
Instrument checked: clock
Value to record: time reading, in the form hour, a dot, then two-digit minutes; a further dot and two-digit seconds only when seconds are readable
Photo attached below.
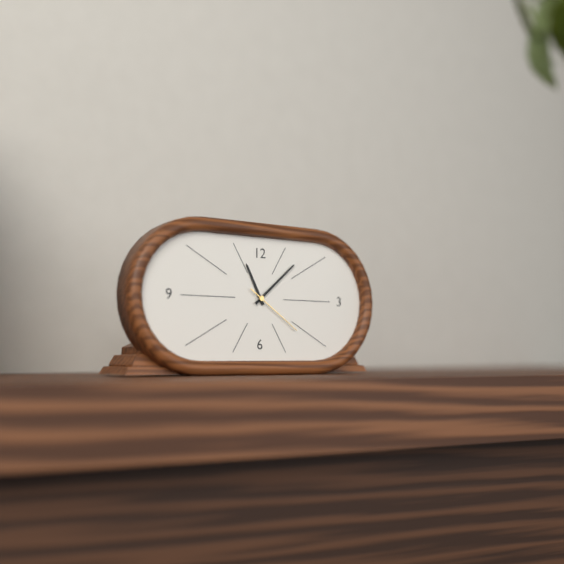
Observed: 11.08.21
